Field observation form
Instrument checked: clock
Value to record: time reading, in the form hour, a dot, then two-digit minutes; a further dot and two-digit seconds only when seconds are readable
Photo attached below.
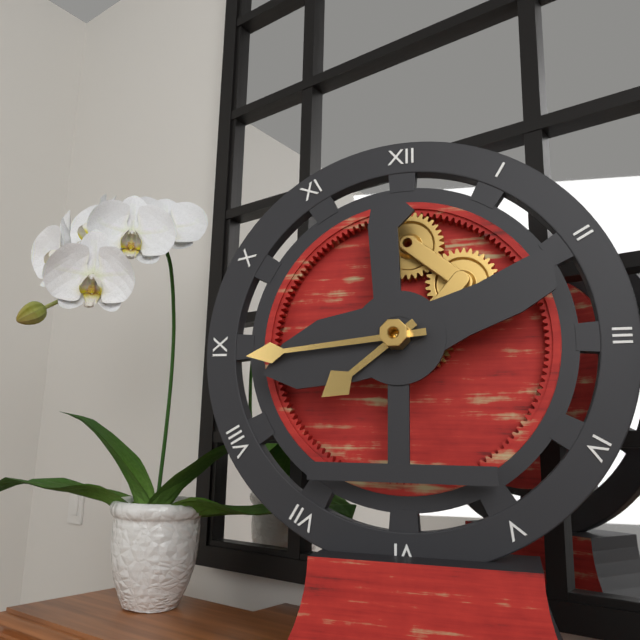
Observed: 7.44
